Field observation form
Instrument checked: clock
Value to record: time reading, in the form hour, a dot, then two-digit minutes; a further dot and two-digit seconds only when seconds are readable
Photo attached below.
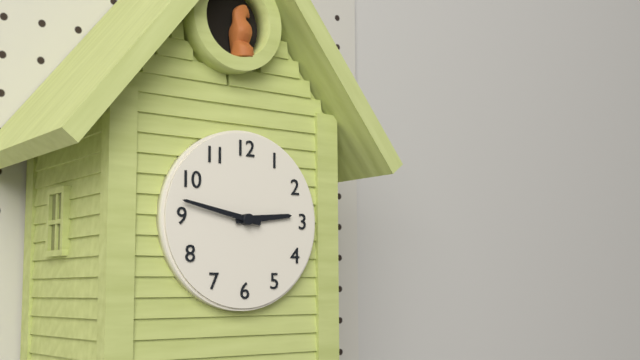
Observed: 2.47
